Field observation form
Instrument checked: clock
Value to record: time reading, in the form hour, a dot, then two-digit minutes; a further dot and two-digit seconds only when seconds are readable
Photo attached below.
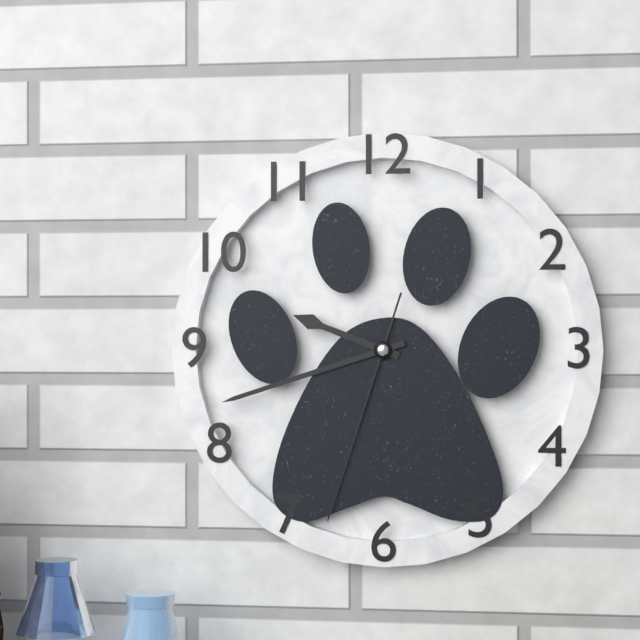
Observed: 9.42.33
